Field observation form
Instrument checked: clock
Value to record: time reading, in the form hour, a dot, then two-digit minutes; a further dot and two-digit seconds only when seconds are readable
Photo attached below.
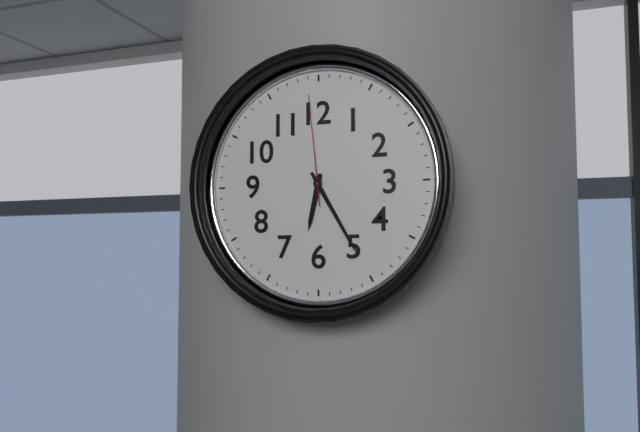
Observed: 6.25.59
